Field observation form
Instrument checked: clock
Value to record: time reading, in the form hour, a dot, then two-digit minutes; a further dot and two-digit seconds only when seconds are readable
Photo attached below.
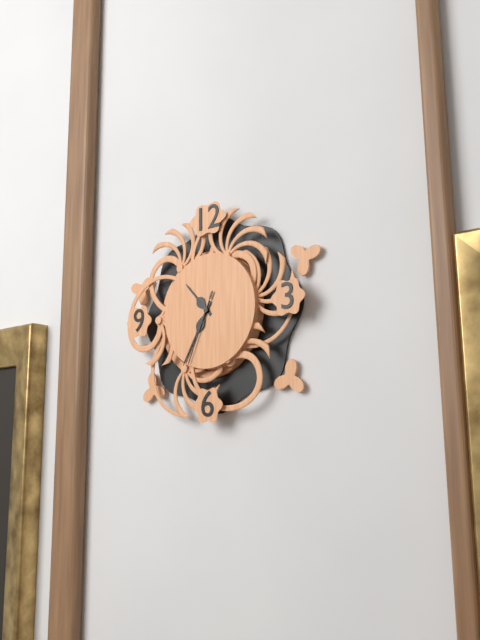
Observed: 10.35.34
